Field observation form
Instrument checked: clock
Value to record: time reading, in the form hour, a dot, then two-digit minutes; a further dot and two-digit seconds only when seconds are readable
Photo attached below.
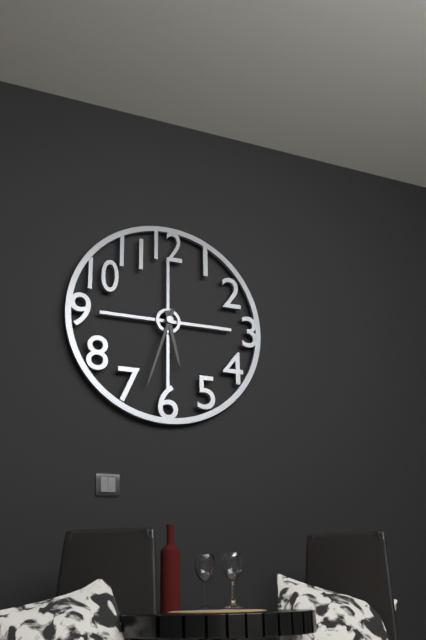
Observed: 5.33
